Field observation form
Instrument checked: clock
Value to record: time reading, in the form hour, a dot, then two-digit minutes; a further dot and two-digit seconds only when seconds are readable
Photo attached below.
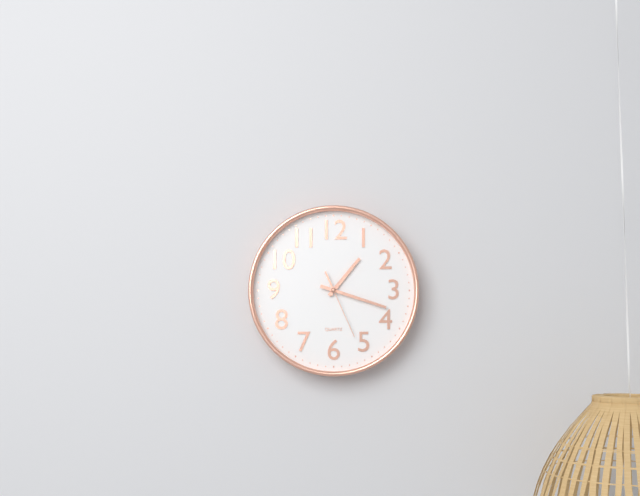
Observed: 1.18.26
